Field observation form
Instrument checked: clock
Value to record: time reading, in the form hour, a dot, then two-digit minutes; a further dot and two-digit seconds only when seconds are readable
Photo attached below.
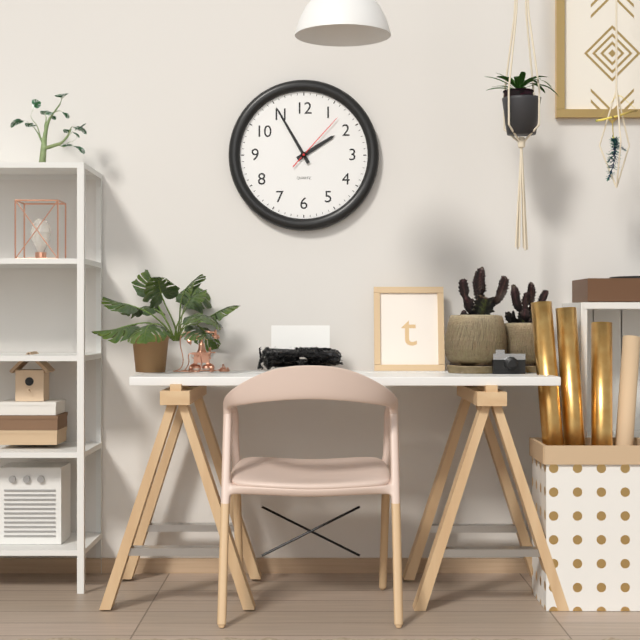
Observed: 1.55.07
